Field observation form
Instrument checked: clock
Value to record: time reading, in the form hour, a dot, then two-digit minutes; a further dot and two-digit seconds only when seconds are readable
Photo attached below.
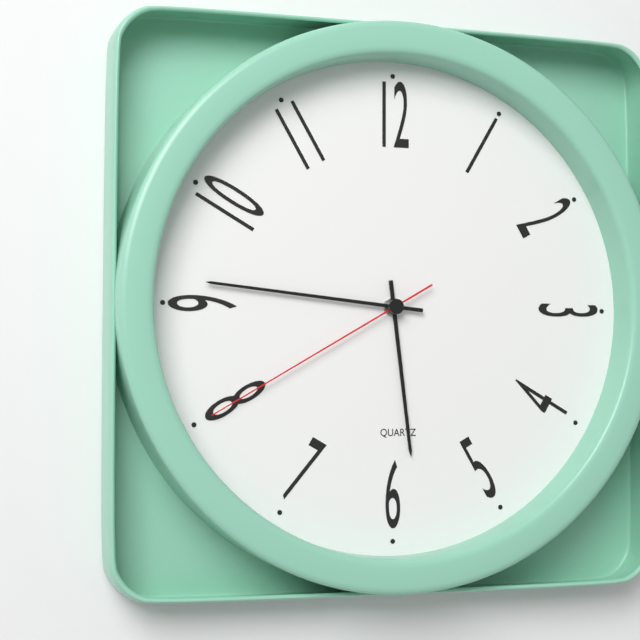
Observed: 5.46.40
